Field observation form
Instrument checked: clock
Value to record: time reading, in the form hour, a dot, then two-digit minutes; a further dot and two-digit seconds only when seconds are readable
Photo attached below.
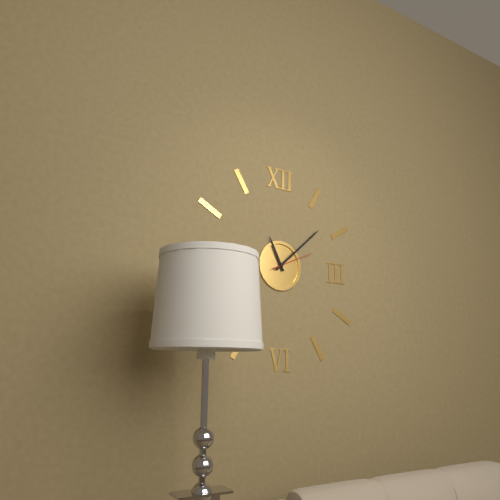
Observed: 11.08
